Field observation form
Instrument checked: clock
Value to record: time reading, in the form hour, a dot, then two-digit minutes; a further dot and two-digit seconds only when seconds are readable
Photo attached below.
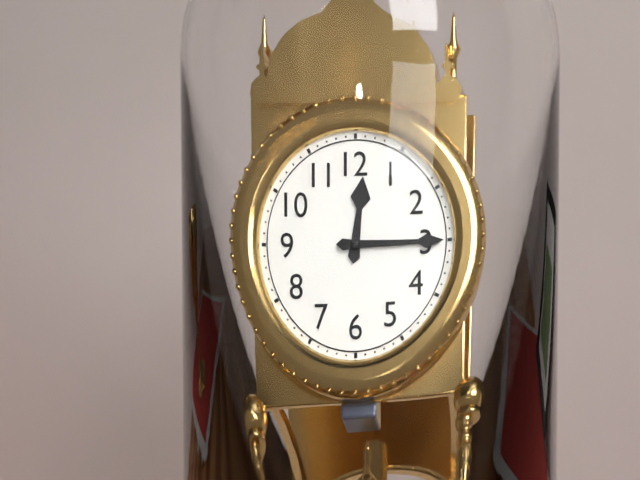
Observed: 12.15
